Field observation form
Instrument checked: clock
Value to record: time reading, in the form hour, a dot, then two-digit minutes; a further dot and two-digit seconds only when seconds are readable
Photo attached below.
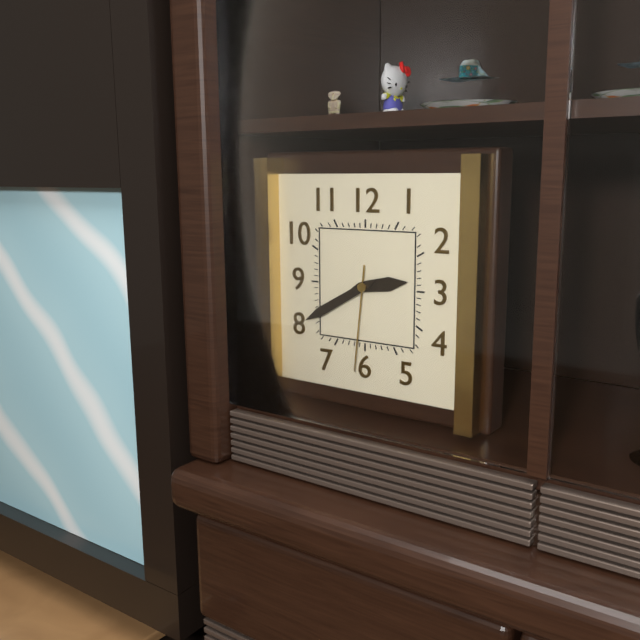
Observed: 2.40.31
